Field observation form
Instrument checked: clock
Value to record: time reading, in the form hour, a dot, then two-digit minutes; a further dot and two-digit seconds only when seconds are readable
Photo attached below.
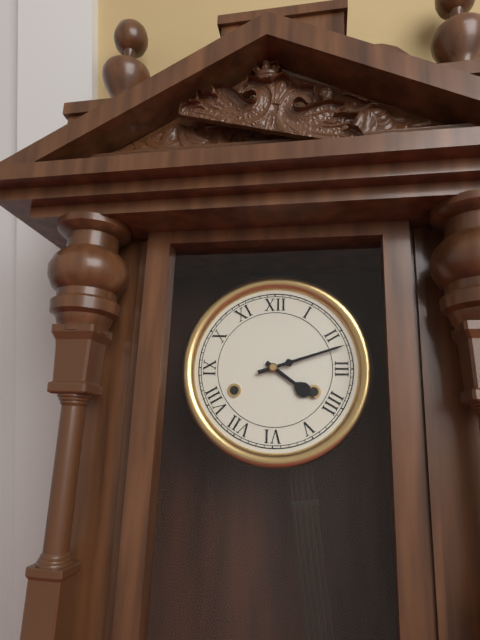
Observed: 4.12
